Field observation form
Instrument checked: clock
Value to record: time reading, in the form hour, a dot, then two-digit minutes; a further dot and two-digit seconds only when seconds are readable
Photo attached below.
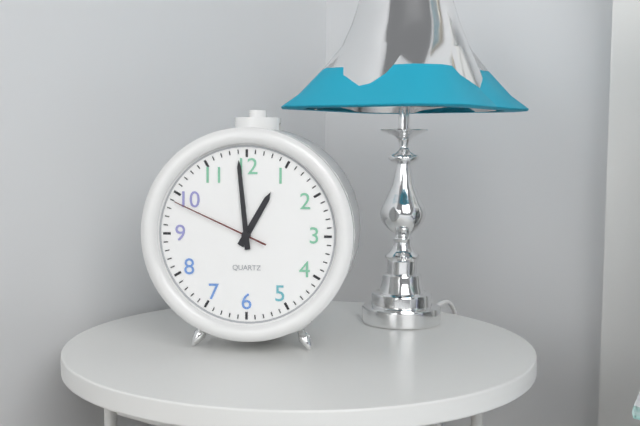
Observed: 12.59.49
